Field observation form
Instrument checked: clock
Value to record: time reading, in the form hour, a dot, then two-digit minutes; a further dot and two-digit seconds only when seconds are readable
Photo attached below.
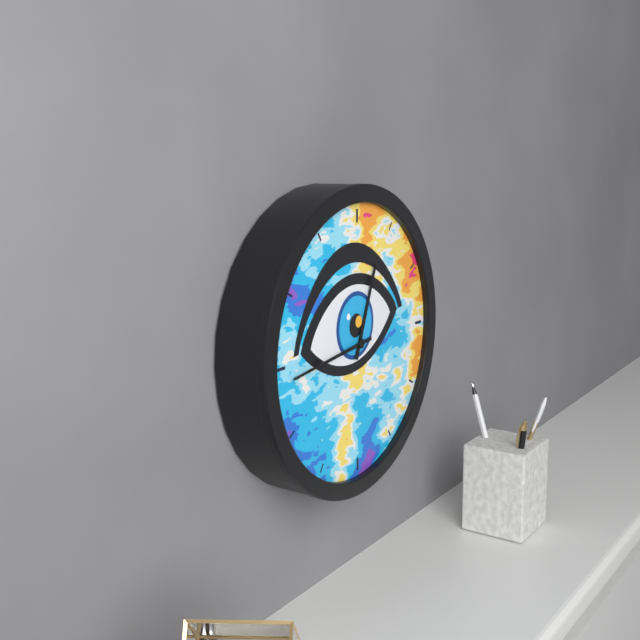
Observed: 12.44
